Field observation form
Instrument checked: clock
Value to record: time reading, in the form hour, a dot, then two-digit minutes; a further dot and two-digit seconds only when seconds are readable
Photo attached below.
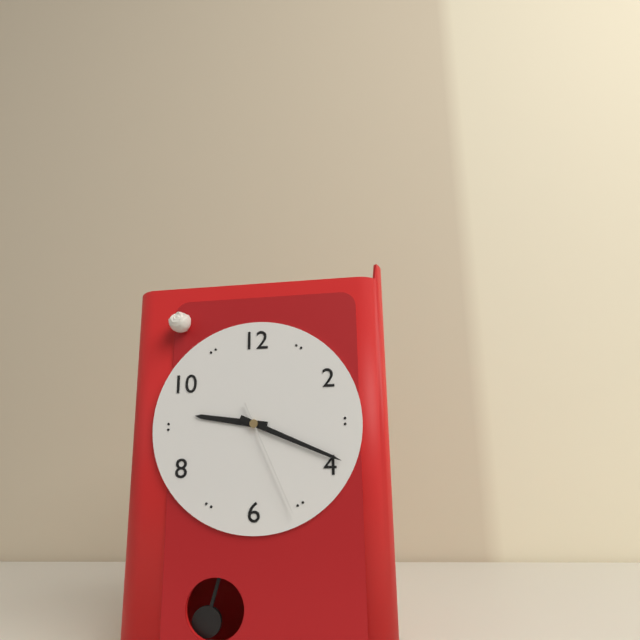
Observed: 9.19.26
